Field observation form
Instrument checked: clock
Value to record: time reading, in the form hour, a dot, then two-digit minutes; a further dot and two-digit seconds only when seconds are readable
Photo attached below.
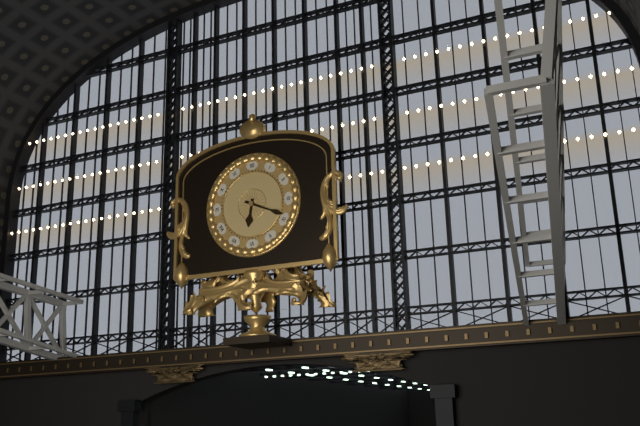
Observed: 6.19
